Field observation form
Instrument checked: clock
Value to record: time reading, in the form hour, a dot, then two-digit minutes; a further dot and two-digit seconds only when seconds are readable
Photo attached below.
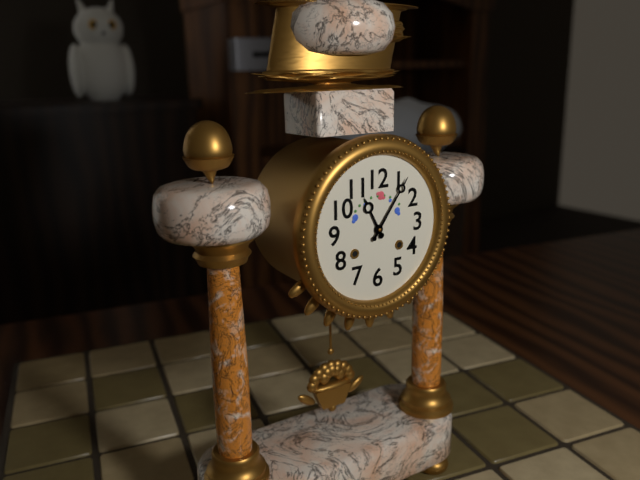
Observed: 11.06
